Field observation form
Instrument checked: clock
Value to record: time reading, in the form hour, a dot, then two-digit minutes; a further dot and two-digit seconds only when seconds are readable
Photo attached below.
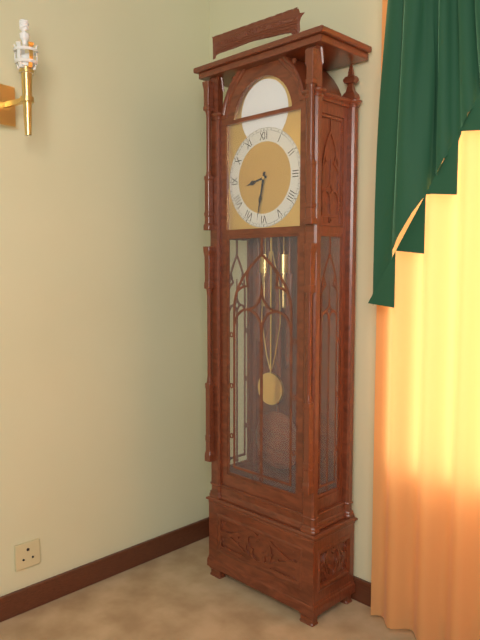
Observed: 8.32
